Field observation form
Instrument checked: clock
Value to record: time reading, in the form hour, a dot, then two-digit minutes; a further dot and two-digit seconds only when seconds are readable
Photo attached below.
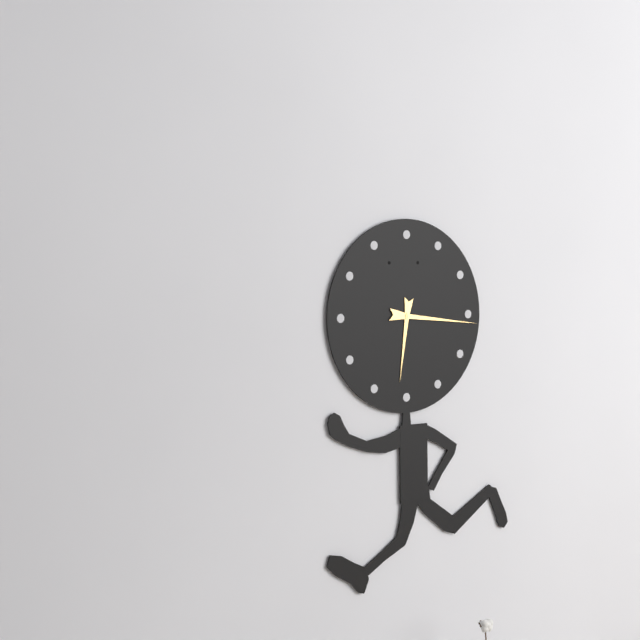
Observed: 6.16
